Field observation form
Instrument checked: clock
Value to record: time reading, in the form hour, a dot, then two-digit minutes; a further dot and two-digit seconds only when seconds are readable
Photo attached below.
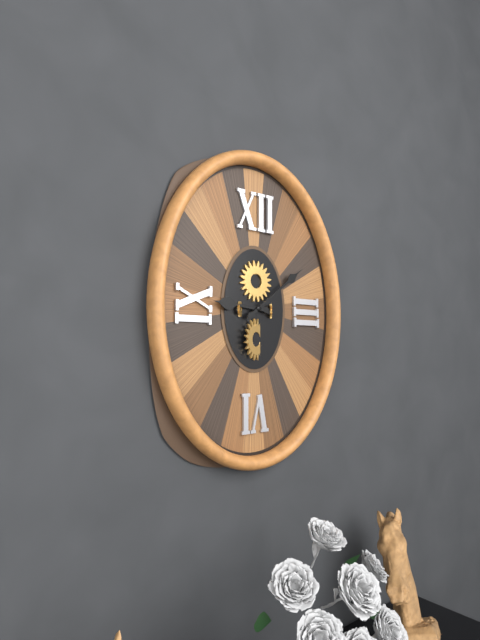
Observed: 9.09
